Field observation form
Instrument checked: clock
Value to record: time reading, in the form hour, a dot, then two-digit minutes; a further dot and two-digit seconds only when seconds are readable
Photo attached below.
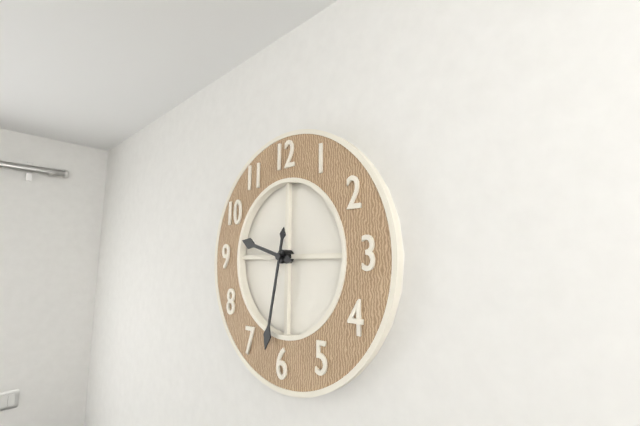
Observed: 9.32
